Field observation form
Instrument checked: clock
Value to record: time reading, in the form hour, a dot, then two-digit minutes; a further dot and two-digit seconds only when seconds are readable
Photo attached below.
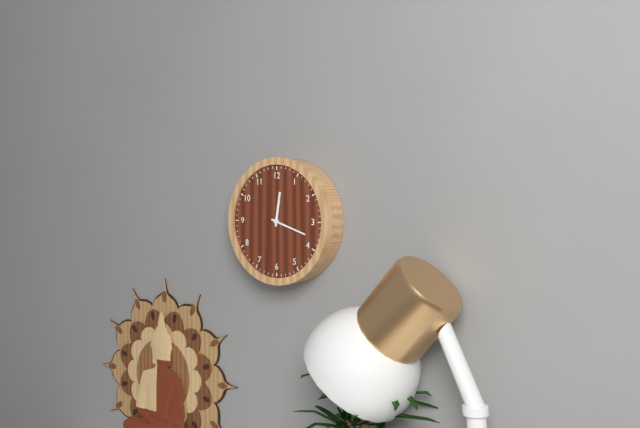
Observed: 12.18
